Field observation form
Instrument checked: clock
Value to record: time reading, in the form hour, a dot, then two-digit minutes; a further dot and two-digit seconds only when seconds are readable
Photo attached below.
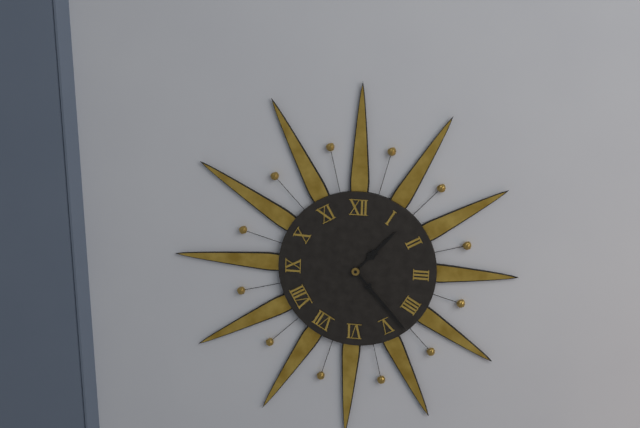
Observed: 1.23
